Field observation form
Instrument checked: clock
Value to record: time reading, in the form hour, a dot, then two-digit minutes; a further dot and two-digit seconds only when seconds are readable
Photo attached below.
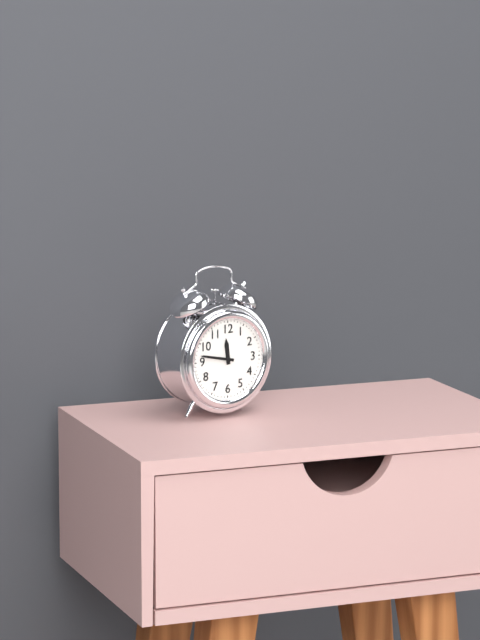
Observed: 11.47
